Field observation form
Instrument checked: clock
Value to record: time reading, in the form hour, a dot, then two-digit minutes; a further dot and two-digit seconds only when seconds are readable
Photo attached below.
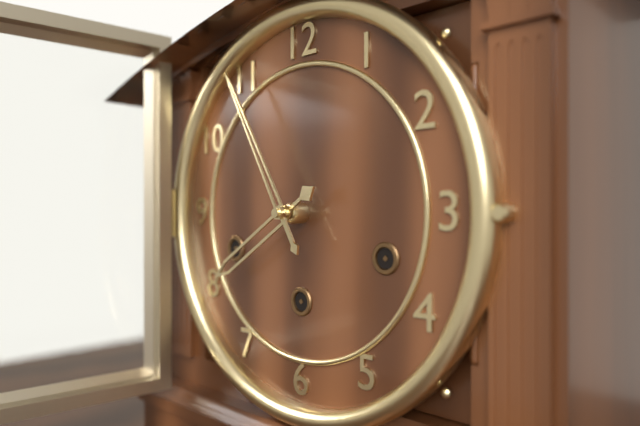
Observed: 7.55
